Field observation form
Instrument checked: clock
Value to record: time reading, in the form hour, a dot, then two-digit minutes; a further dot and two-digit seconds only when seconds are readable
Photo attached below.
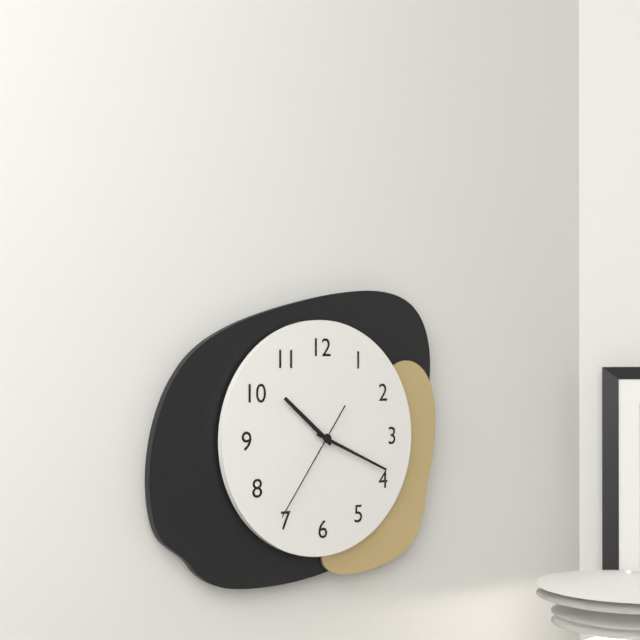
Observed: 10.19.36
